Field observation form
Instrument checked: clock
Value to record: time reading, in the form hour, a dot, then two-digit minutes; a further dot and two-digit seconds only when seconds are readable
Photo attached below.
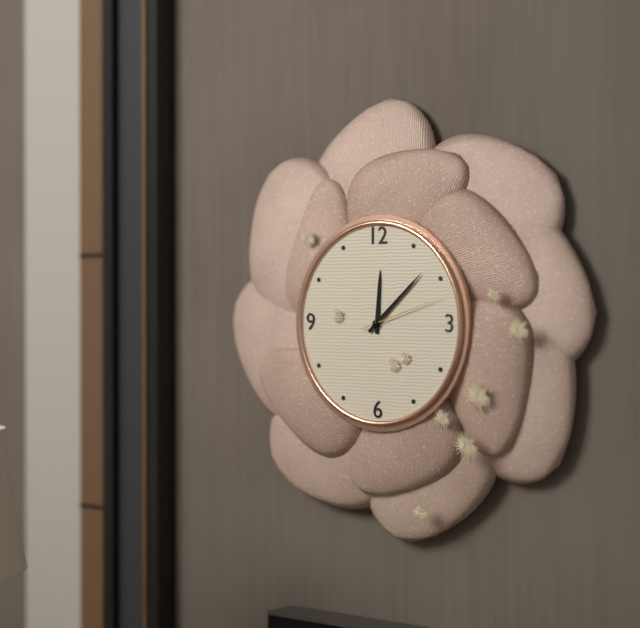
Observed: 12.08.12
